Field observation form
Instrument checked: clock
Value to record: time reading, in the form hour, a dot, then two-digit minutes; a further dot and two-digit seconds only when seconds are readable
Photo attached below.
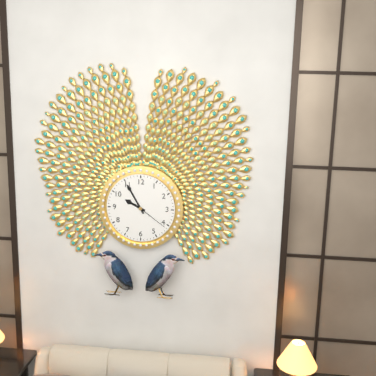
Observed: 9.55
